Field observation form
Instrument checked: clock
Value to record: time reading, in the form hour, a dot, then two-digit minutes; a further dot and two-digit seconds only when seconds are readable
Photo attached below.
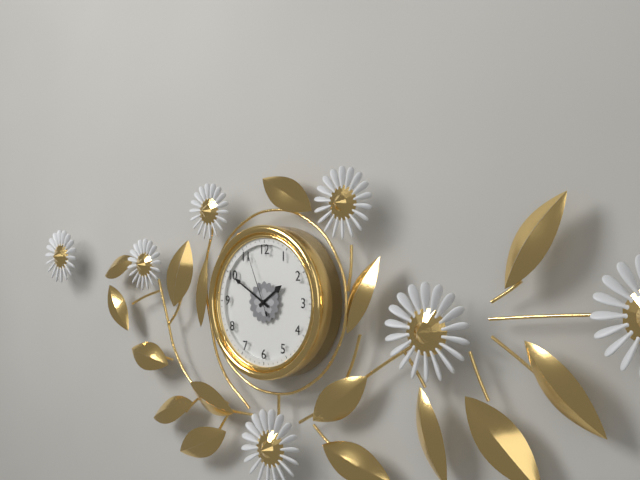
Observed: 1.50.56
